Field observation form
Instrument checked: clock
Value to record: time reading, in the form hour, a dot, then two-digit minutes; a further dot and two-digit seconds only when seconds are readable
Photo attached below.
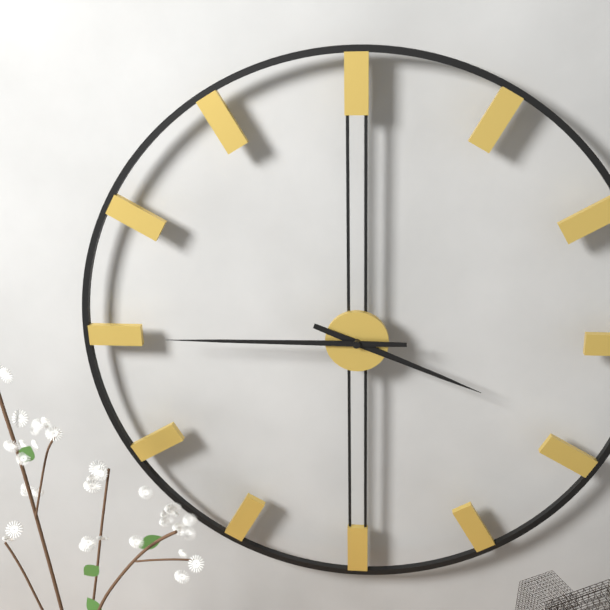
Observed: 3.45
